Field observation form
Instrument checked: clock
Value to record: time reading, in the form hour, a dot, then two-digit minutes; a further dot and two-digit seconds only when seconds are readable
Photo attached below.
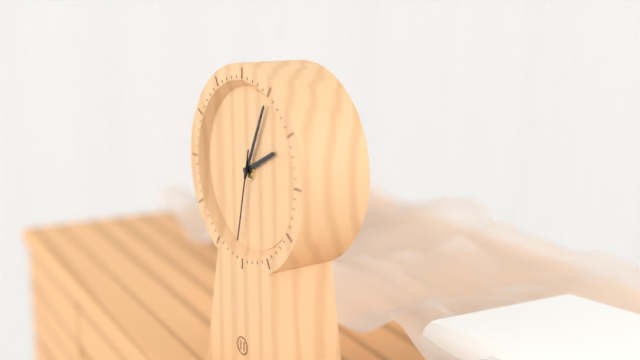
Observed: 2.04.32
